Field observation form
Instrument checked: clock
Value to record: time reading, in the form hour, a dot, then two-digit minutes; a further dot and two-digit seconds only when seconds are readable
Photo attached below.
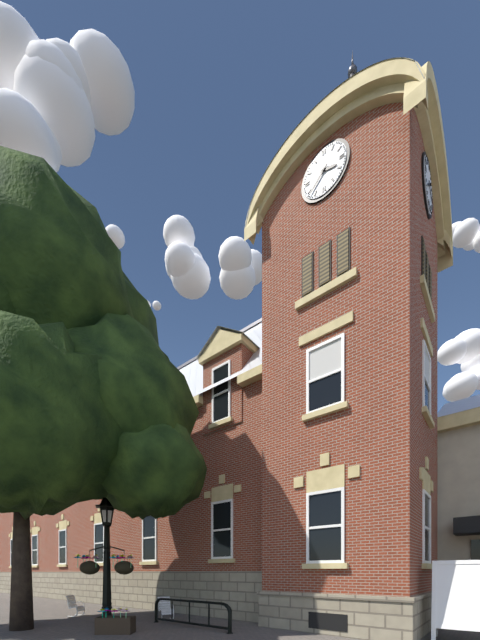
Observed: 3.38
